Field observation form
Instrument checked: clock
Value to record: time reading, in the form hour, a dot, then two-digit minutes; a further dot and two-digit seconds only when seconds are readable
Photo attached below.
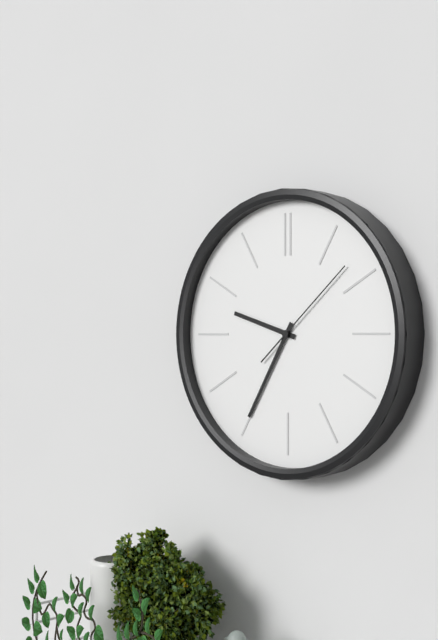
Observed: 9.35.08
